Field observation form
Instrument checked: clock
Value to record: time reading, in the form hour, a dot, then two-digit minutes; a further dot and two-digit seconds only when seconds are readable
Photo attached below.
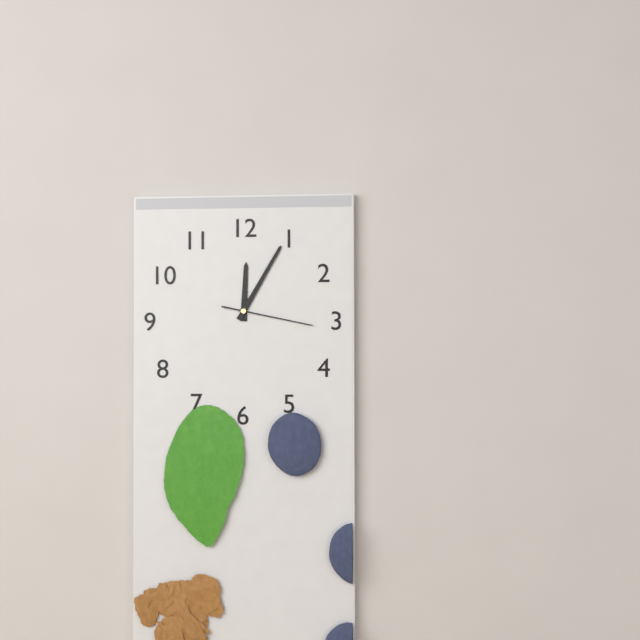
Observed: 12.05.17
